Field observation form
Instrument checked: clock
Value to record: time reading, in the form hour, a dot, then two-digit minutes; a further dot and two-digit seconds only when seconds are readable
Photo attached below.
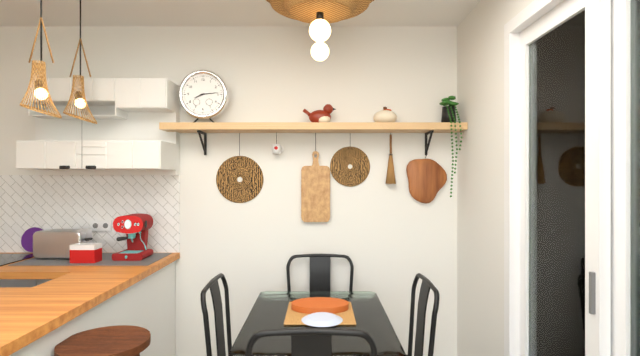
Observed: 8.14
